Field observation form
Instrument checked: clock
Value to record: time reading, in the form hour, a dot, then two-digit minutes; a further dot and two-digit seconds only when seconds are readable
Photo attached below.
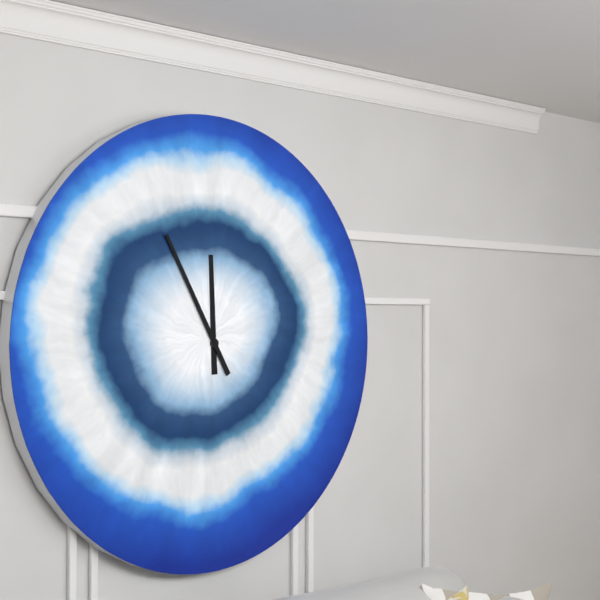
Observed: 11.55
